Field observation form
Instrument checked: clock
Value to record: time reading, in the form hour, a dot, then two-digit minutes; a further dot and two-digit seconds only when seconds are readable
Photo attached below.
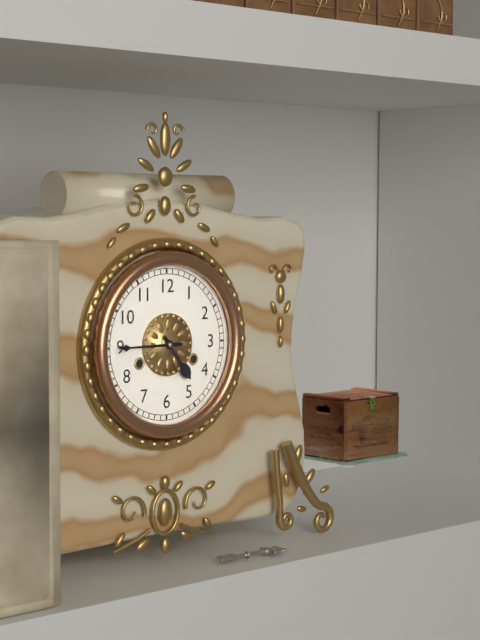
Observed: 4.45
